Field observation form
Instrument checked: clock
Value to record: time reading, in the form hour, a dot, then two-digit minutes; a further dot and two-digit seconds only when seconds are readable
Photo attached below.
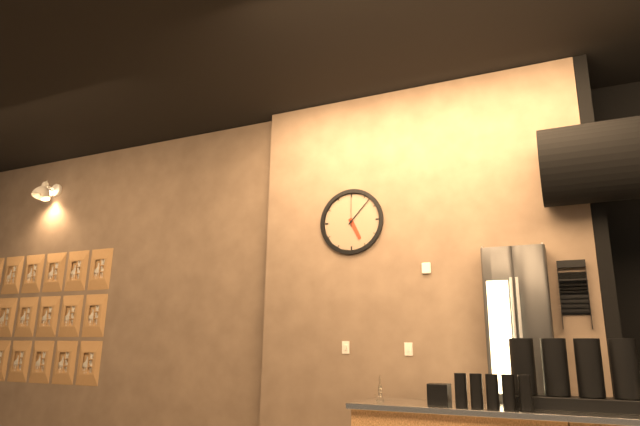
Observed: 5.07
